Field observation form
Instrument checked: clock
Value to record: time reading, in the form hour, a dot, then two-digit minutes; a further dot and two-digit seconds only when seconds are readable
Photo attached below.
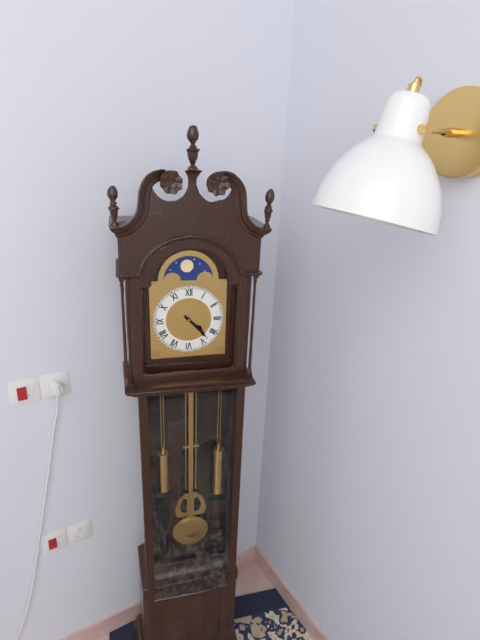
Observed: 4.23
